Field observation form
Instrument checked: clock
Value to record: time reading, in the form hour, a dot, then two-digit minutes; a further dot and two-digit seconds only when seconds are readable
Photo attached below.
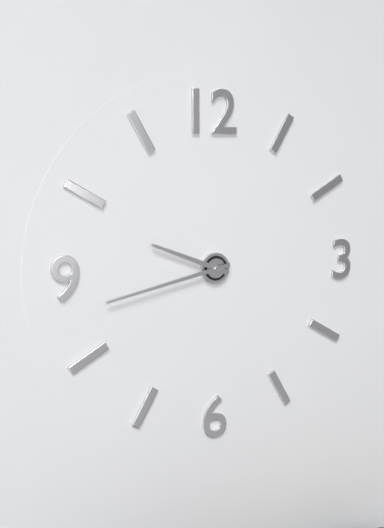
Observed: 9.43
